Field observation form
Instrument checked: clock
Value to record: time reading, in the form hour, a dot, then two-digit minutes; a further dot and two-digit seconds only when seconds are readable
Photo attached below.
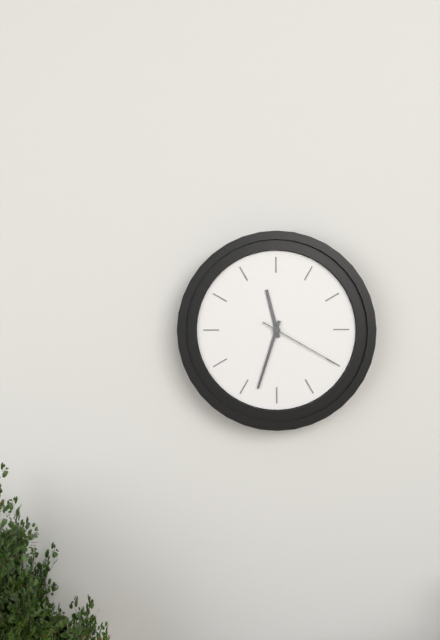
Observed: 11.33.20
